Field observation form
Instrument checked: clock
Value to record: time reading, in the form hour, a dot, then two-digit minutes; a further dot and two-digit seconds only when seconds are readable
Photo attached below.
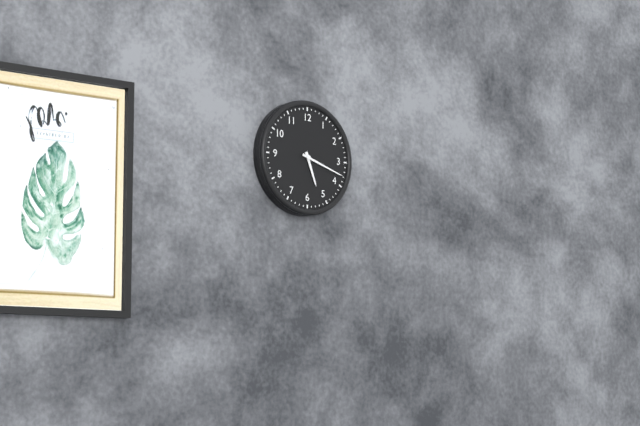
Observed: 5.18
